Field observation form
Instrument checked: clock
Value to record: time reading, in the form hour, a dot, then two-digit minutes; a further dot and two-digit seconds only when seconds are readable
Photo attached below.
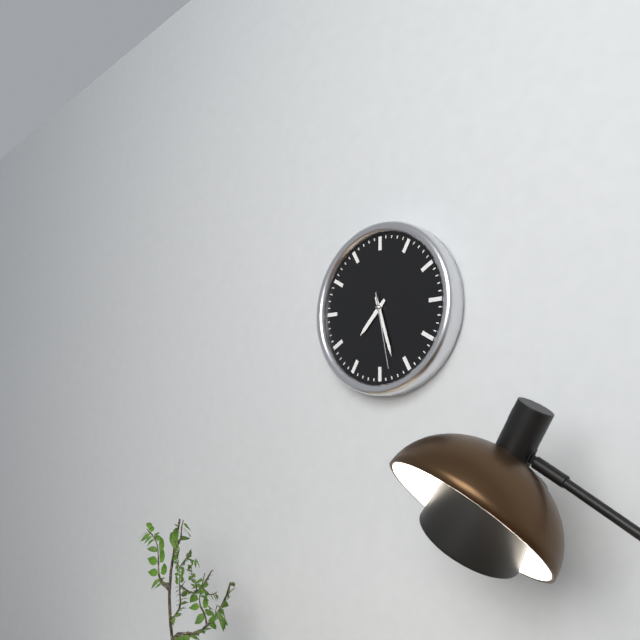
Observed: 7.27.28
